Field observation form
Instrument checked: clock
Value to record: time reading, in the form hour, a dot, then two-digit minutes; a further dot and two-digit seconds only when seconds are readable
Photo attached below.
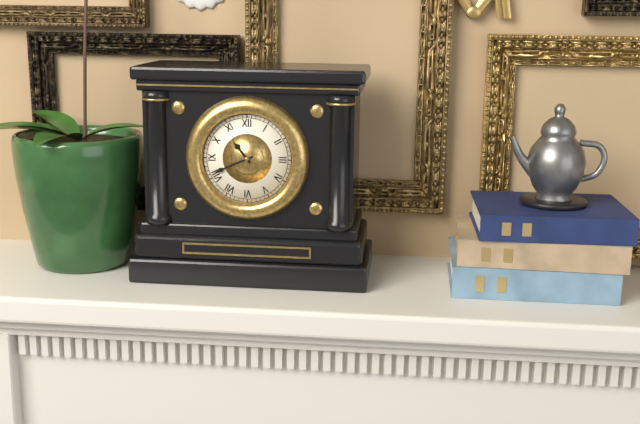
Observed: 10.41
